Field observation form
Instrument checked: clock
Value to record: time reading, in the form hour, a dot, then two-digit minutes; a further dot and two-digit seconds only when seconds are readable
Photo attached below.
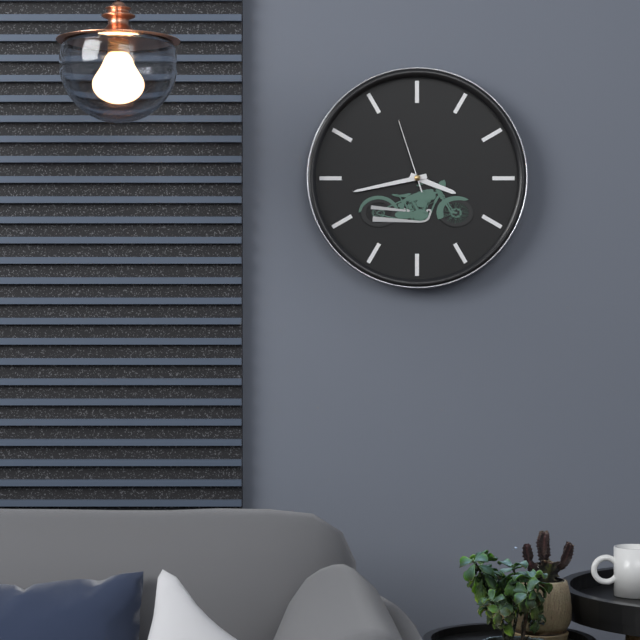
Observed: 3.43.57
